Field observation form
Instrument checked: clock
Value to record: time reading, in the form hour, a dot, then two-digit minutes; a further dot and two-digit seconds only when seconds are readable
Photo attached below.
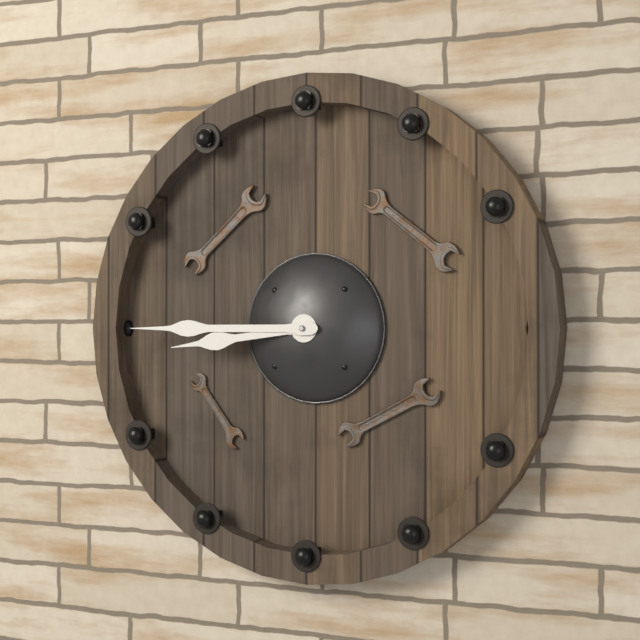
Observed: 8.45
